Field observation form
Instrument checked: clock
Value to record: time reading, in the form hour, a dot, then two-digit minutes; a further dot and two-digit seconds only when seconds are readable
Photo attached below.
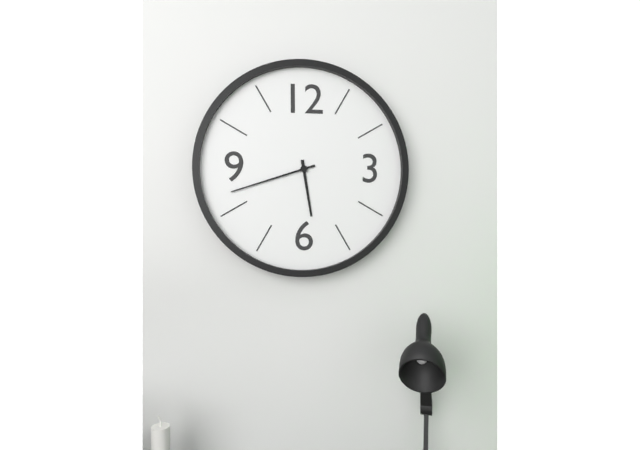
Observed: 5.42
